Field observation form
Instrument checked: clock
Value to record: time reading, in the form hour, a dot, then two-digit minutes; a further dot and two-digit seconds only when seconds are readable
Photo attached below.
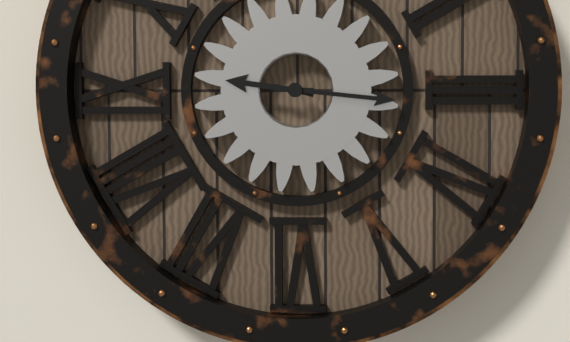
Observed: 9.16
